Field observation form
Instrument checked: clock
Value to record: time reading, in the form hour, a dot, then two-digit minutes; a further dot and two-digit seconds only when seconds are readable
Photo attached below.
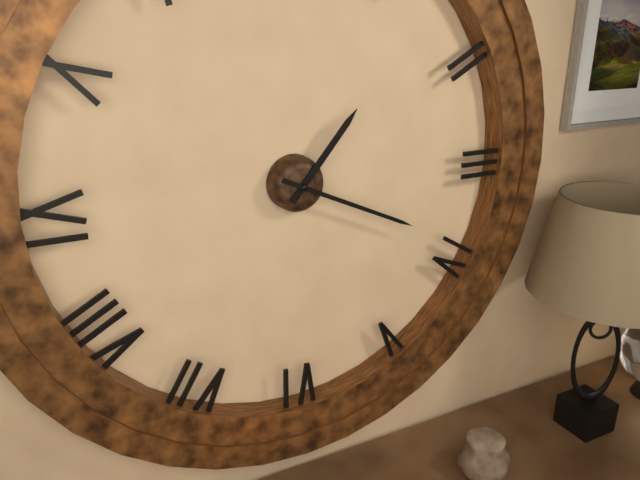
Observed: 1.19
